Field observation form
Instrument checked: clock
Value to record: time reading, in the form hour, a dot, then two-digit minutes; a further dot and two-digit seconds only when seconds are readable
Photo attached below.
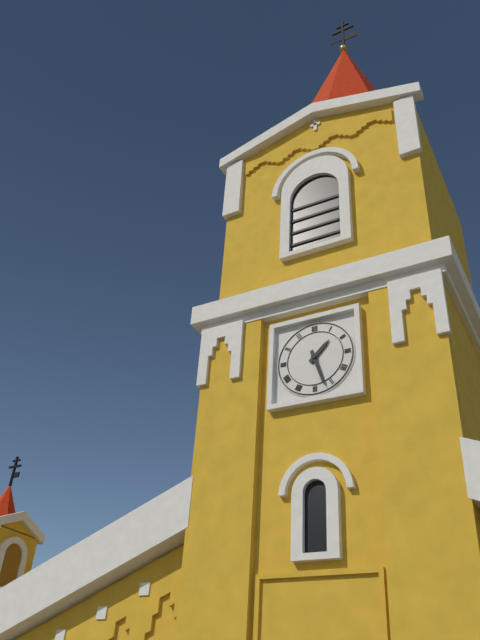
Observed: 1.27
